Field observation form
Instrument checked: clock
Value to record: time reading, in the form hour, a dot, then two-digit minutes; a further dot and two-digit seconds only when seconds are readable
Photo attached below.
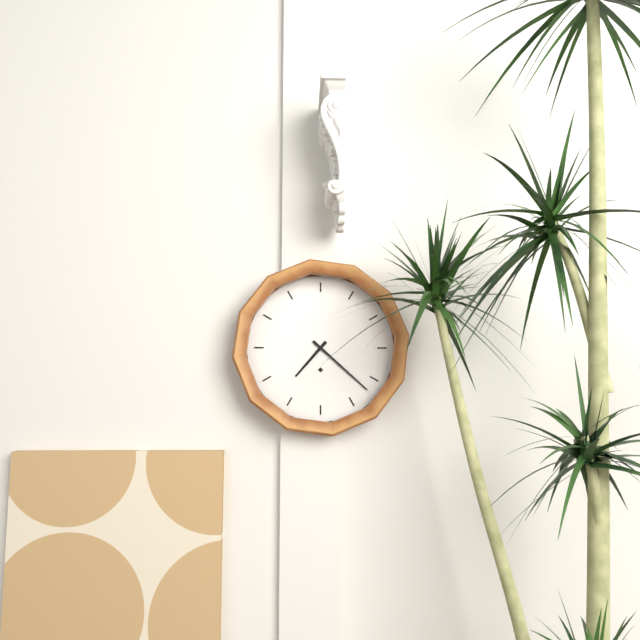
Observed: 7.22
